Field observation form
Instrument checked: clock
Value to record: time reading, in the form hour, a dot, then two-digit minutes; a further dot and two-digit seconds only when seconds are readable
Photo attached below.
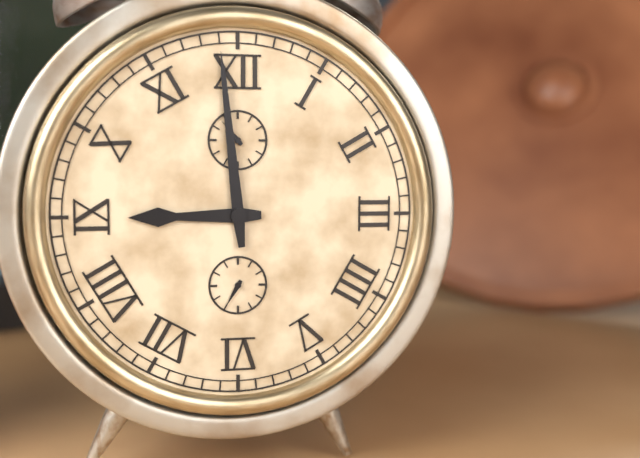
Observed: 8.59
